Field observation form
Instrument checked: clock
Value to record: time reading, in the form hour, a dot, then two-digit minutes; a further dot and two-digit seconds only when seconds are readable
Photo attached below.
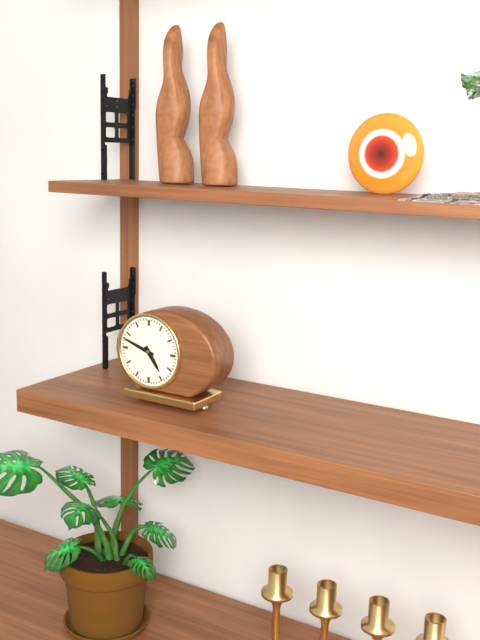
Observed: 4.48
